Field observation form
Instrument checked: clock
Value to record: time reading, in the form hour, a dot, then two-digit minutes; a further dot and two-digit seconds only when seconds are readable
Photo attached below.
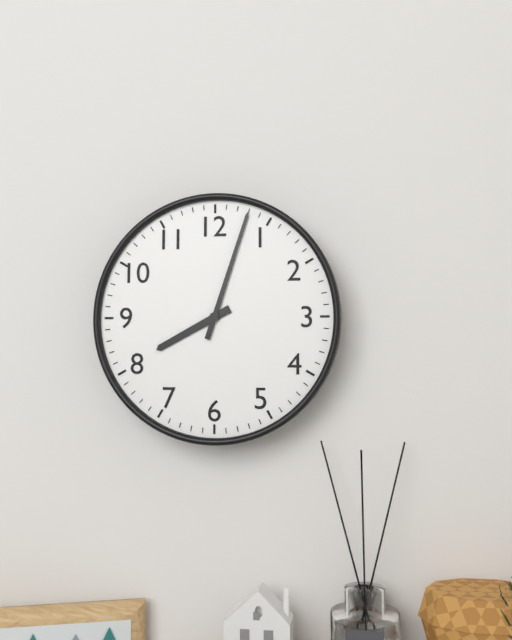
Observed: 8.03
